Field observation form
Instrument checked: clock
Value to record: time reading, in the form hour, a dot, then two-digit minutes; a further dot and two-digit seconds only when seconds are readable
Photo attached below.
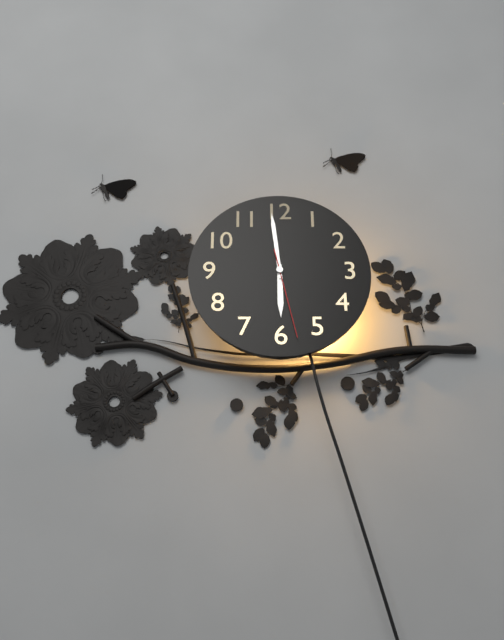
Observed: 5.59.28
